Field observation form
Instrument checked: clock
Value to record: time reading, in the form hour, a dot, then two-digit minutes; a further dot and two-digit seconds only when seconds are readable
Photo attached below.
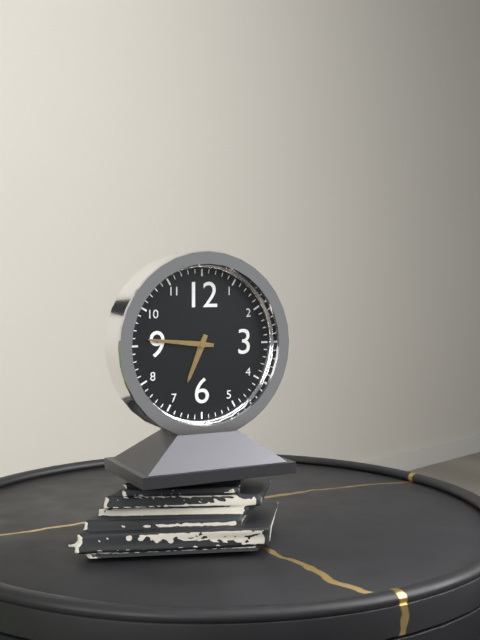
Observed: 6.46
